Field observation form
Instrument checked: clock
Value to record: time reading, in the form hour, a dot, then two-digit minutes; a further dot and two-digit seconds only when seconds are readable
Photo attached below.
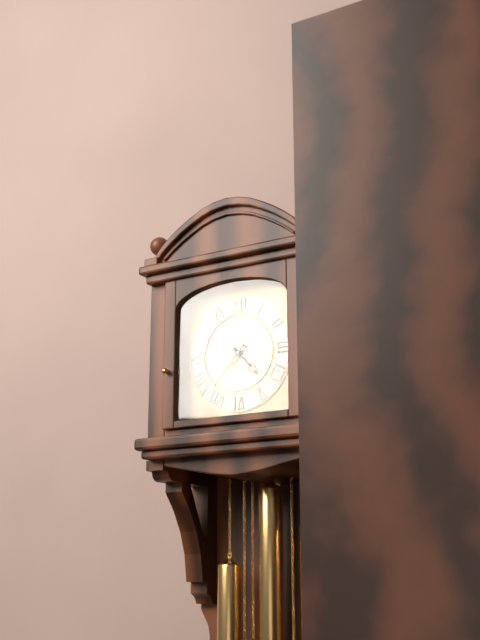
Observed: 4.37
